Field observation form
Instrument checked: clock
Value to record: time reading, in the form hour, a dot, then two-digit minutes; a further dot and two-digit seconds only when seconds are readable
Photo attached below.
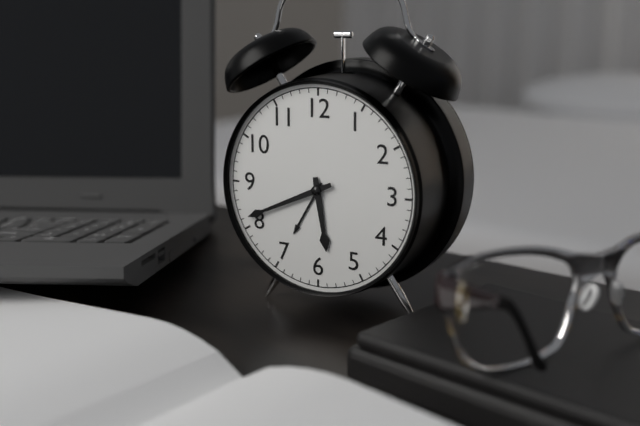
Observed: 5.41
